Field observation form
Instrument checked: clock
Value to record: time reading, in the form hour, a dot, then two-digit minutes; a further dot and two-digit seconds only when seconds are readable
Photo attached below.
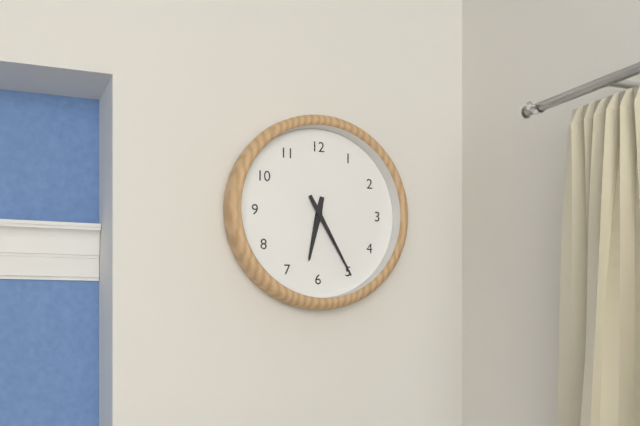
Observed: 6.25
